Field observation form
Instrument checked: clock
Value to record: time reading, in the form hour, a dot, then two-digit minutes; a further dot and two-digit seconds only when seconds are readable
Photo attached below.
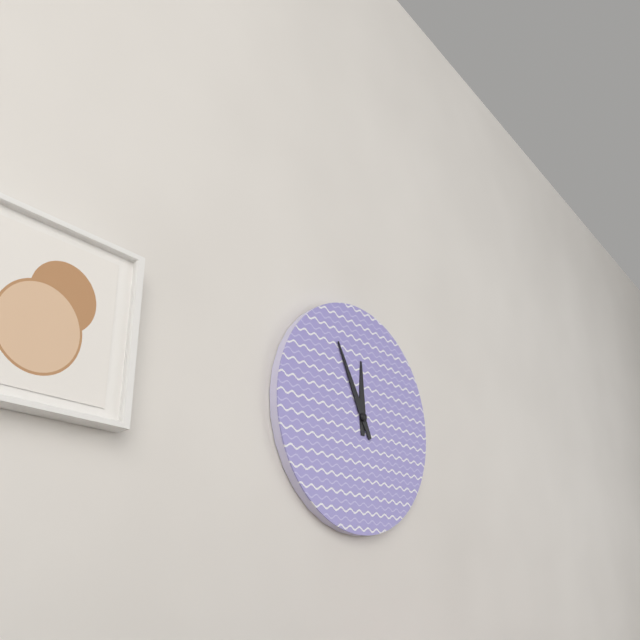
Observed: 11.55
